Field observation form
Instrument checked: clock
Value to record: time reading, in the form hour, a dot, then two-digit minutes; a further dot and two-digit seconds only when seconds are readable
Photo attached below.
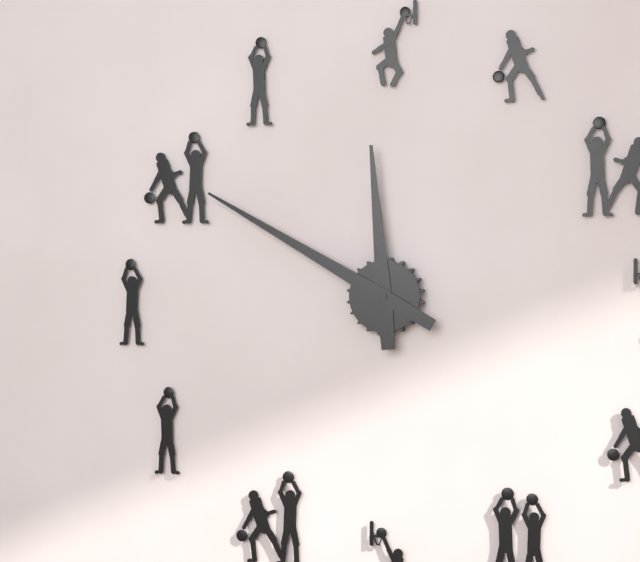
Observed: 11.50
